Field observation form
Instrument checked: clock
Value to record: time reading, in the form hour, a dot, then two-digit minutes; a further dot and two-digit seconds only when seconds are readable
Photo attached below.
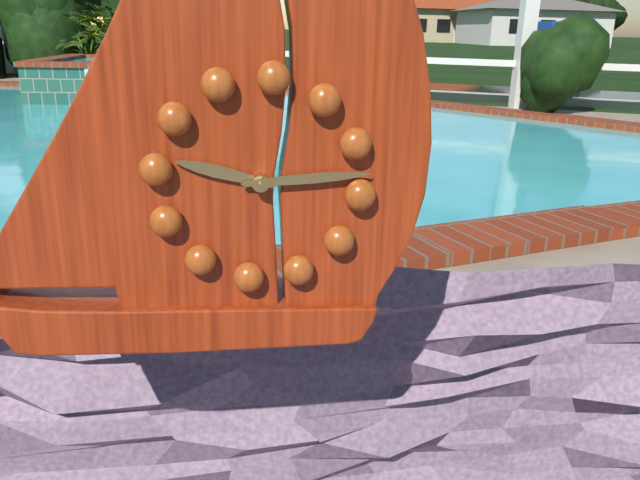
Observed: 9.13
